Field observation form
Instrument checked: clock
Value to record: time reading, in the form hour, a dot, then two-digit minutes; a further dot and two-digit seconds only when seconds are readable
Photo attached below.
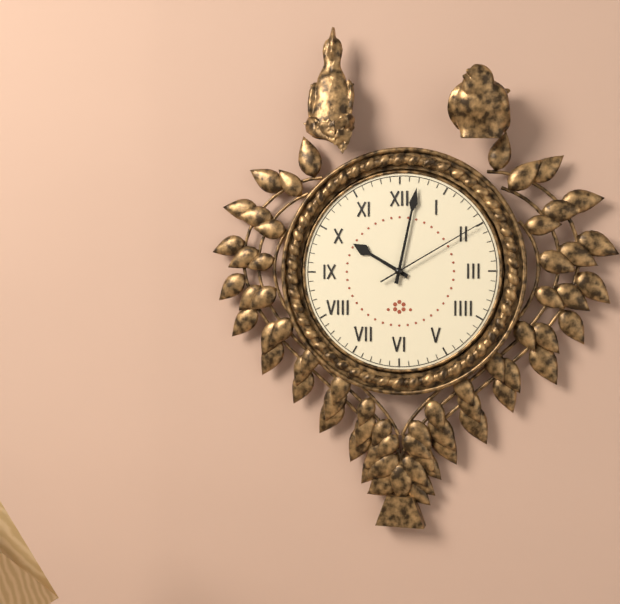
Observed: 10.02.10
